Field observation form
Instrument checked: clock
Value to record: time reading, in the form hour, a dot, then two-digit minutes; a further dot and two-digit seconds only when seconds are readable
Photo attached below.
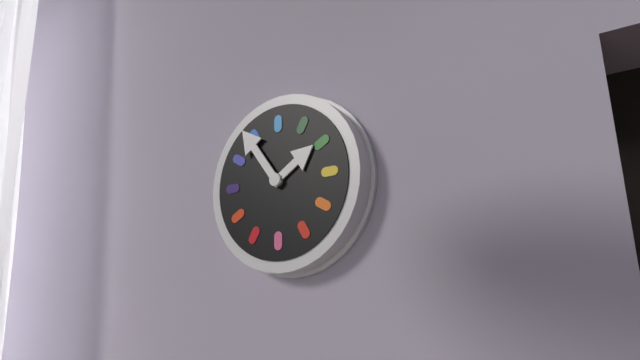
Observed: 1.54
